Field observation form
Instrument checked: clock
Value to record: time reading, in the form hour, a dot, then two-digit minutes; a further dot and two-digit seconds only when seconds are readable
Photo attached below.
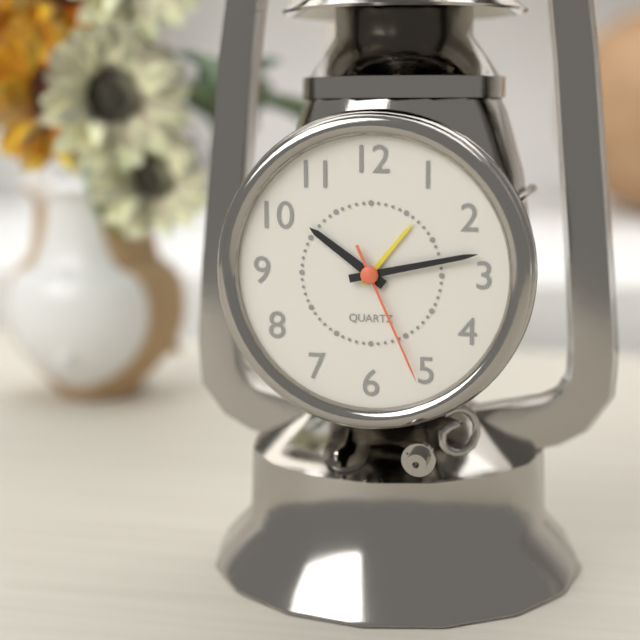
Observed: 10.13.26
